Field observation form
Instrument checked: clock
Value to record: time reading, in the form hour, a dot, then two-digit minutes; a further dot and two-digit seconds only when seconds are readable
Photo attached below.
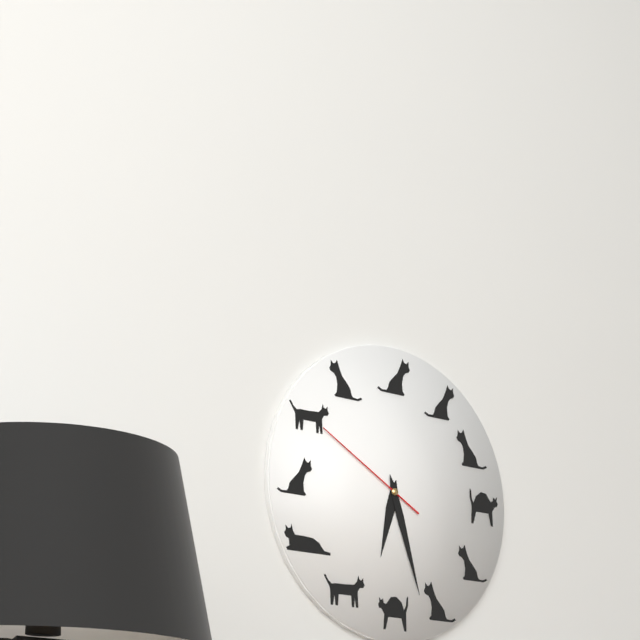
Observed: 6.27.50
